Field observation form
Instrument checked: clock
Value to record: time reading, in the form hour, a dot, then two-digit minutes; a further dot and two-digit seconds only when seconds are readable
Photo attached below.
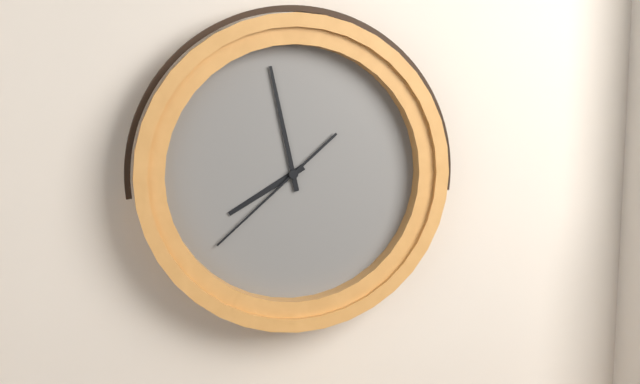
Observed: 7.58.38
